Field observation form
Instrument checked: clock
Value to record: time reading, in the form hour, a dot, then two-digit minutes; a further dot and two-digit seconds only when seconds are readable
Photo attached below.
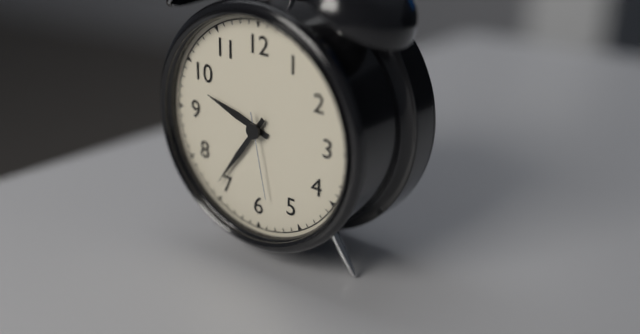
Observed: 9.36.28
